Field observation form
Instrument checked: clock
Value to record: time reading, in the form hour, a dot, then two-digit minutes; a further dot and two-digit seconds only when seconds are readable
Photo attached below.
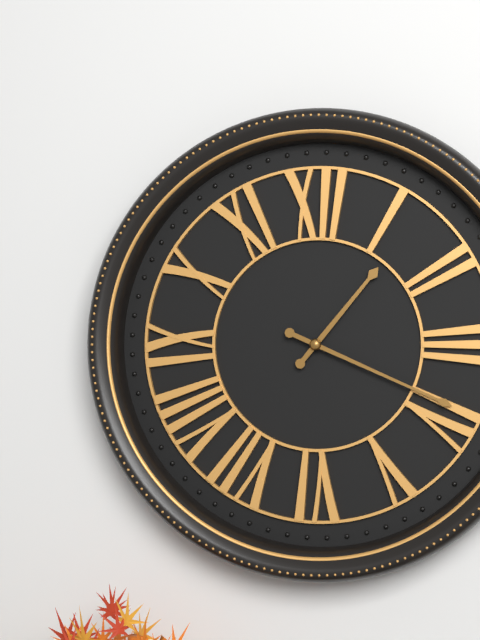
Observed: 1.19
